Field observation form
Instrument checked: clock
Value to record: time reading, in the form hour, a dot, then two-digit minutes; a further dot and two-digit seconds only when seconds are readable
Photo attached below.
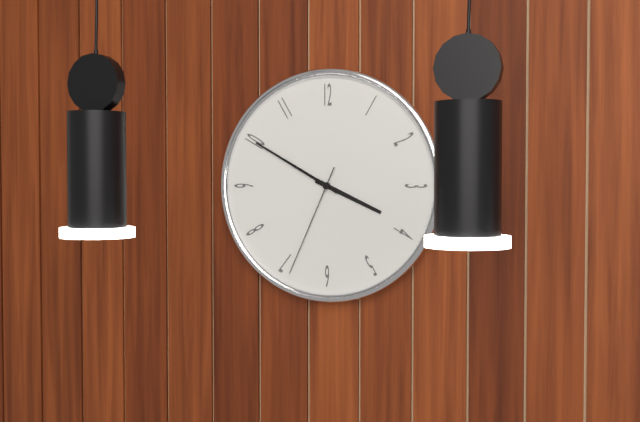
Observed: 3.50.34
